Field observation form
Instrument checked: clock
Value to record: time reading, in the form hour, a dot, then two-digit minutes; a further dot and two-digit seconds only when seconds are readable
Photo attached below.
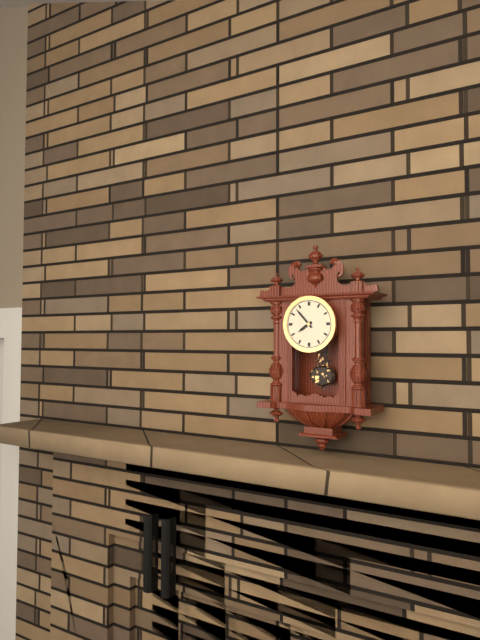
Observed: 7.53
